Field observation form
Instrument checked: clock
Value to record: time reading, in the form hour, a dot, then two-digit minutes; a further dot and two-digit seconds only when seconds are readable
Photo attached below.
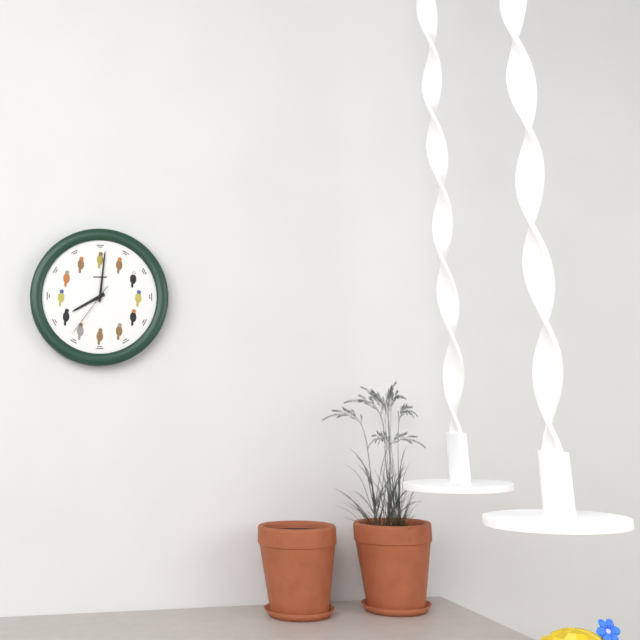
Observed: 8.01.36
